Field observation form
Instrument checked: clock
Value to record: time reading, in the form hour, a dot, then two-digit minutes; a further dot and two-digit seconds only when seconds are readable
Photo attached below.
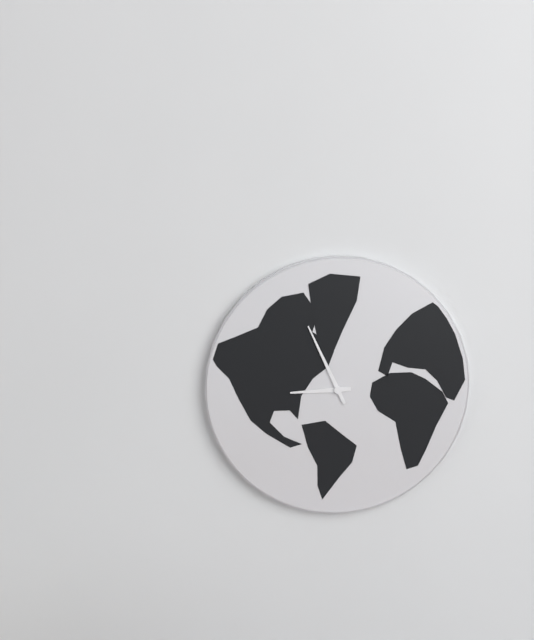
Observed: 8.56
